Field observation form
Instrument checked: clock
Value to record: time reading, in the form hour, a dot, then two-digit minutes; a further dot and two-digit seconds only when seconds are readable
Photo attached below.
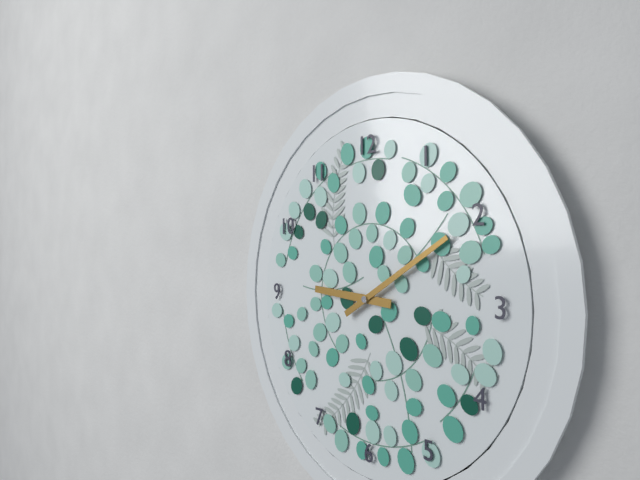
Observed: 9.10
